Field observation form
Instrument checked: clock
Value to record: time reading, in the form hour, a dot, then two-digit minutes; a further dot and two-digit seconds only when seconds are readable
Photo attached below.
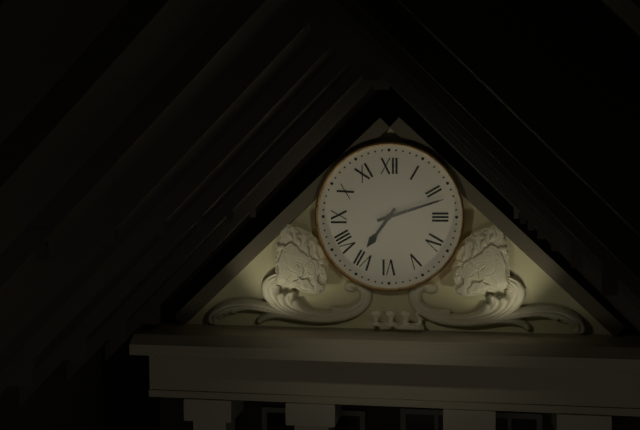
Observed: 7.12
